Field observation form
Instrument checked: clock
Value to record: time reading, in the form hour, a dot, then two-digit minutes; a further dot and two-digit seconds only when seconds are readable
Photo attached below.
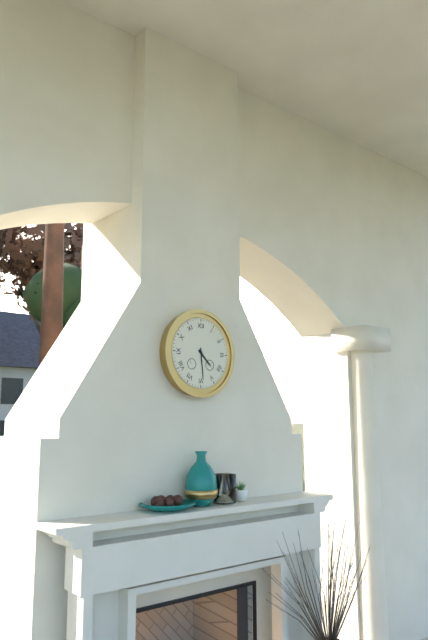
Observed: 4.29
